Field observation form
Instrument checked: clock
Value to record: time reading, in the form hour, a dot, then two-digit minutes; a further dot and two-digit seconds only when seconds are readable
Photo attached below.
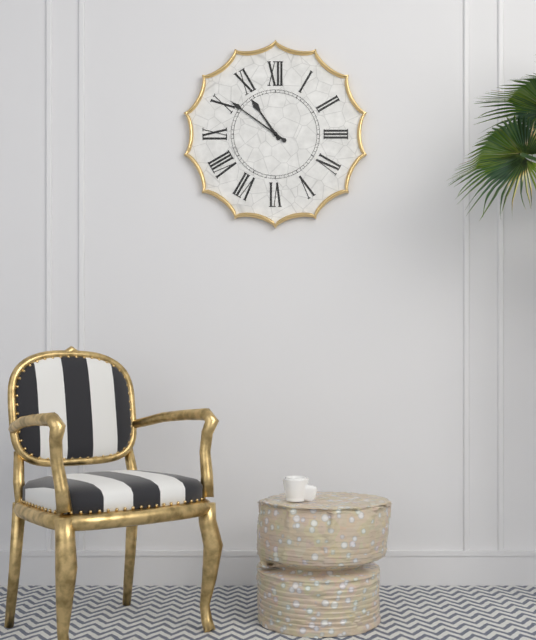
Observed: 10.51
